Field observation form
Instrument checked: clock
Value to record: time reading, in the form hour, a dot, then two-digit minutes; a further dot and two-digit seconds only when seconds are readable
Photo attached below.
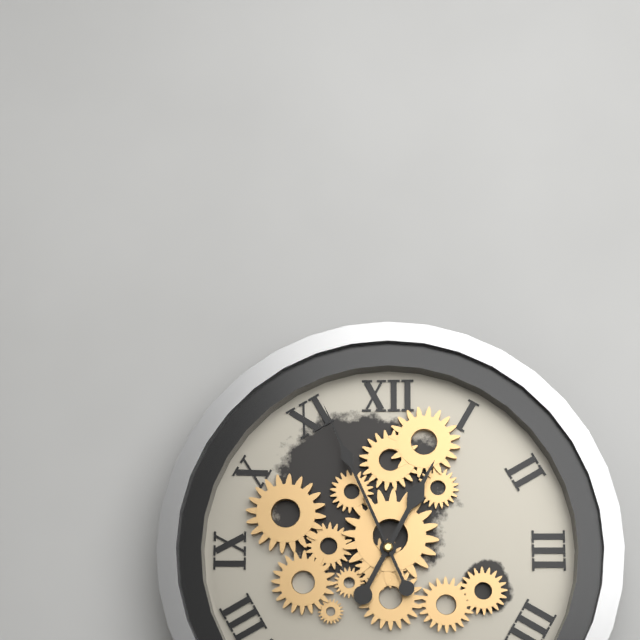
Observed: 12.56
